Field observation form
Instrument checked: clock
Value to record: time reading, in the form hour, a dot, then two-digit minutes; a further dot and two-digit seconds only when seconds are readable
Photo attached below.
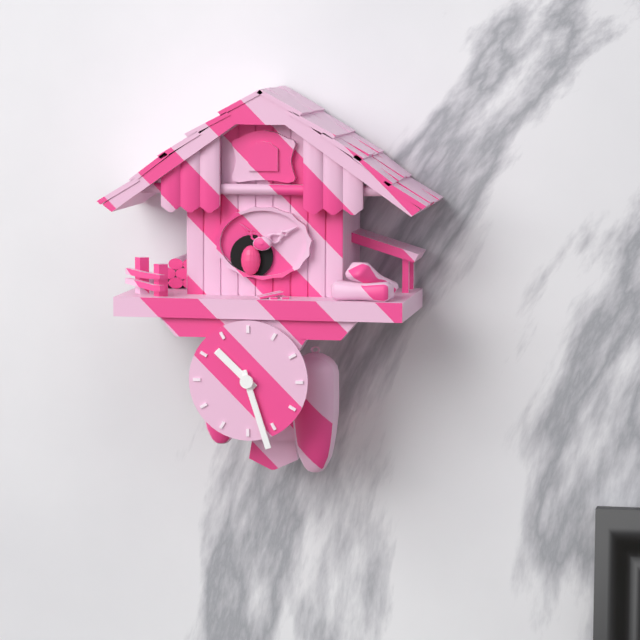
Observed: 10.27
